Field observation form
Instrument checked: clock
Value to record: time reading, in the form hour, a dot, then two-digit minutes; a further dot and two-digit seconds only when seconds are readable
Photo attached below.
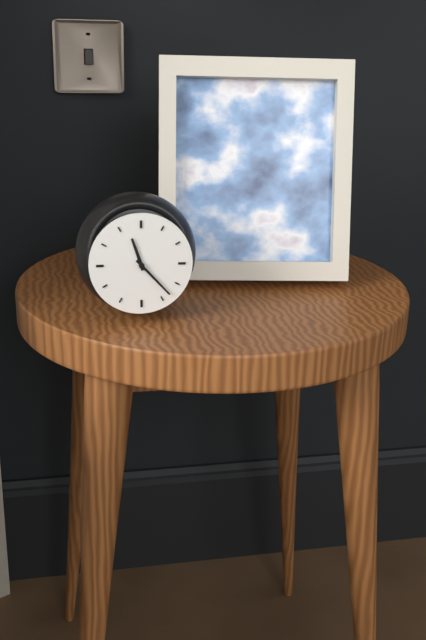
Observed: 11.23
